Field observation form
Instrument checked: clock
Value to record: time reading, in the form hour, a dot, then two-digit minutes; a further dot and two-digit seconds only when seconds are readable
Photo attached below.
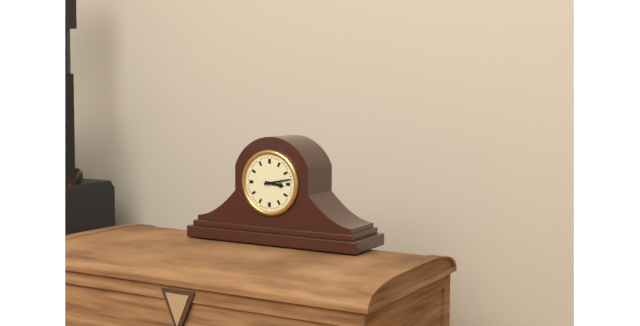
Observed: 3.13
